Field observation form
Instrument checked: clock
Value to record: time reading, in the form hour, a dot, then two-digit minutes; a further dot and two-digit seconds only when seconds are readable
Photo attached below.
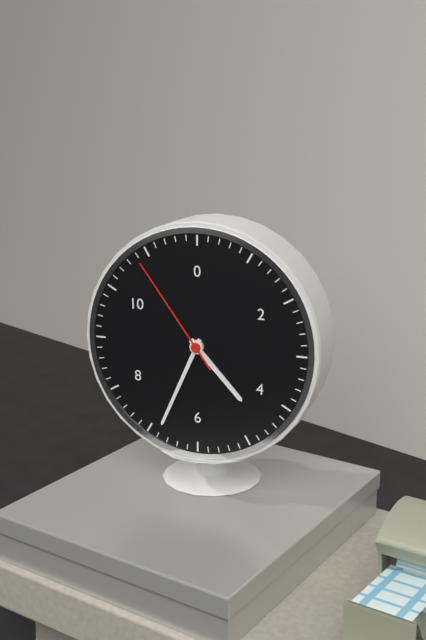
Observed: 4.34.54
